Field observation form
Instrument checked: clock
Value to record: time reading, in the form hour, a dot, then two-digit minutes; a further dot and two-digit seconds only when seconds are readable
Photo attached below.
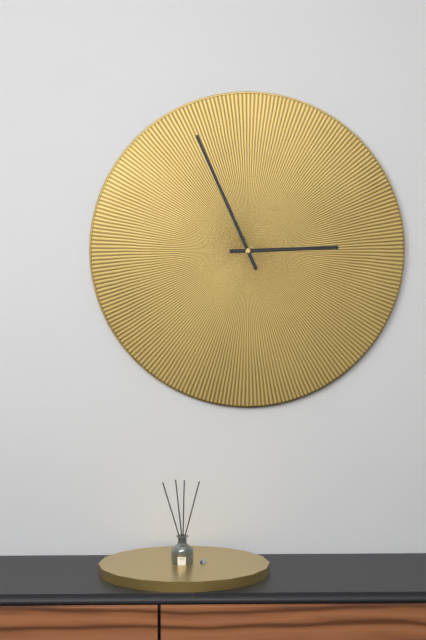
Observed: 2.56
